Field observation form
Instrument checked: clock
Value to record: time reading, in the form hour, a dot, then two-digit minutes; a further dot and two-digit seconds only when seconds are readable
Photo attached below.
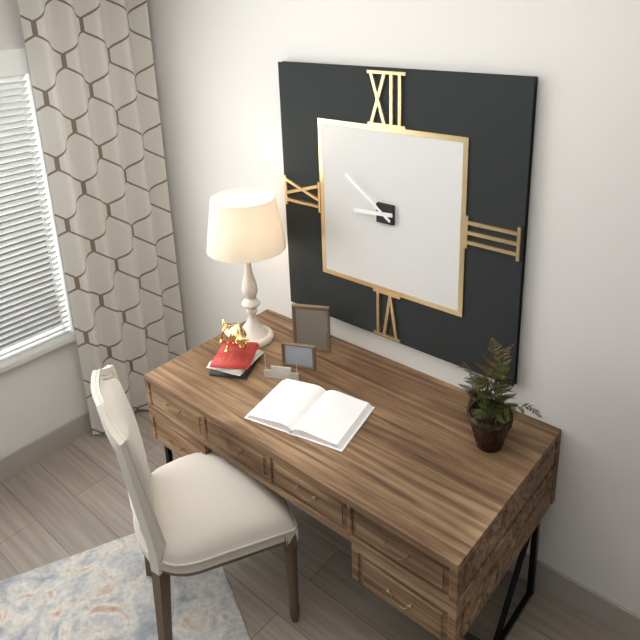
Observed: 8.51
